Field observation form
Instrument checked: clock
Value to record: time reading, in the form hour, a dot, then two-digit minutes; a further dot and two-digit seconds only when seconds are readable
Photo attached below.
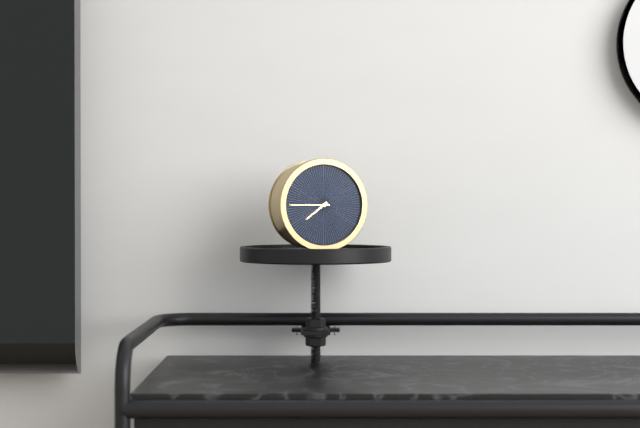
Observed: 7.45
